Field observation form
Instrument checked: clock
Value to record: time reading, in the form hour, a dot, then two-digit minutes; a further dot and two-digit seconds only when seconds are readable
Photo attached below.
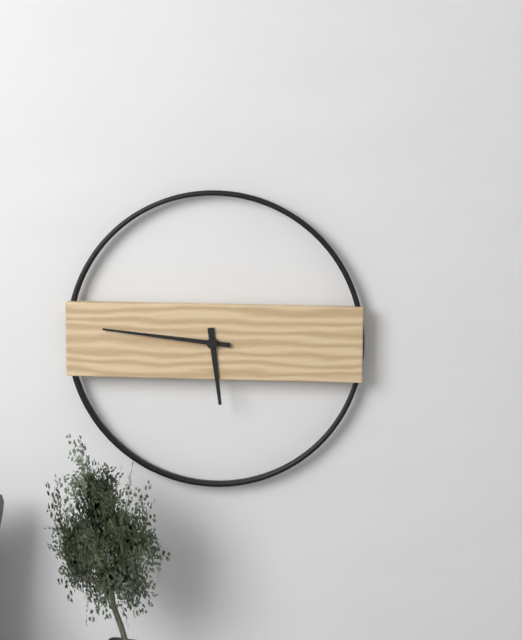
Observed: 5.46
